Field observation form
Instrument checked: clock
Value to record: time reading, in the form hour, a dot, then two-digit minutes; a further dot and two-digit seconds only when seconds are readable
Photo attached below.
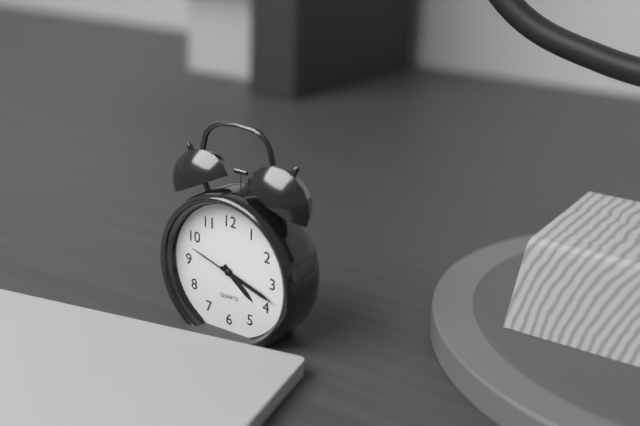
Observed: 4.18.48
